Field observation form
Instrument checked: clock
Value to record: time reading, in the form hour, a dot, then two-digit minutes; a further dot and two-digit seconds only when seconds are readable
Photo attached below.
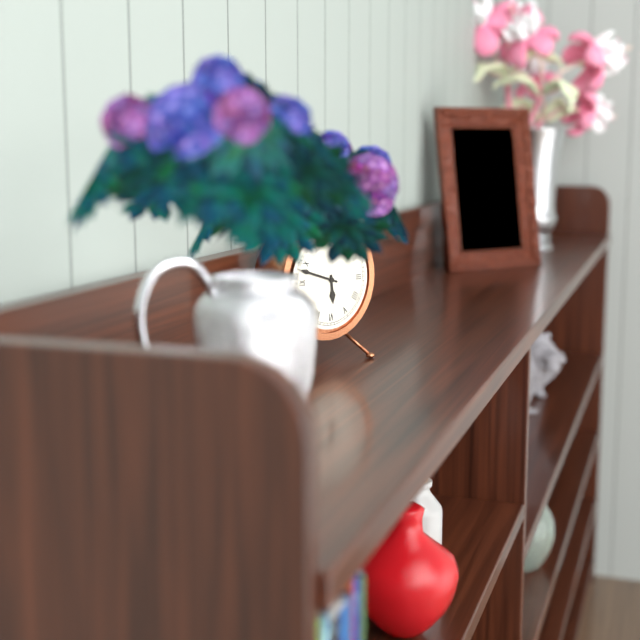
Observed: 5.48
